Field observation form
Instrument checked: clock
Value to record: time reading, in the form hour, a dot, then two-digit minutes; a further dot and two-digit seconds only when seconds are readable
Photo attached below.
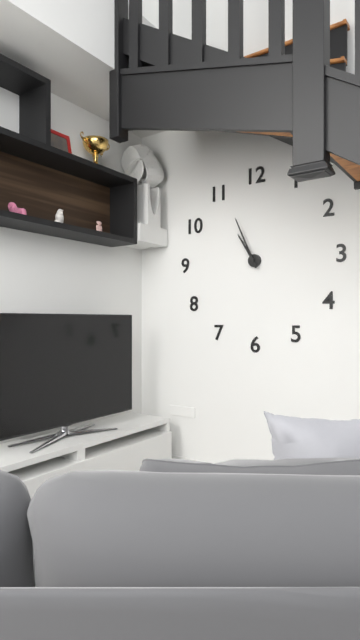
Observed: 10.56
